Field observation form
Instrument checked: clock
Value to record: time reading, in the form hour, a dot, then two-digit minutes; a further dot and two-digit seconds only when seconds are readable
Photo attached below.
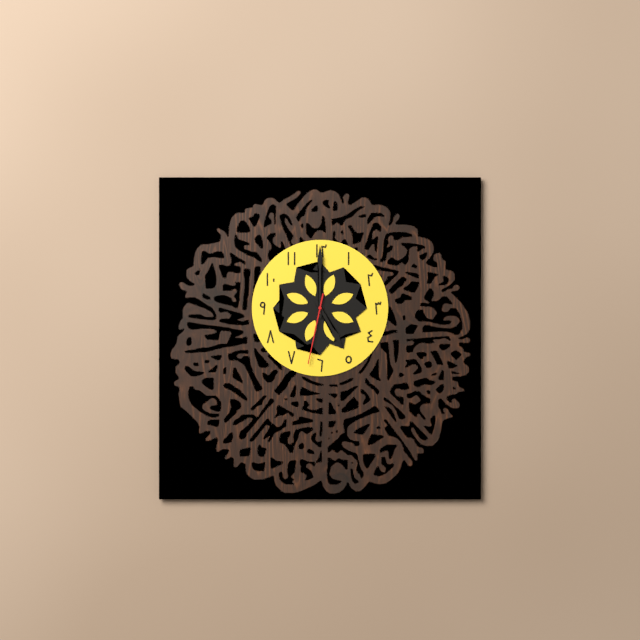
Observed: 5.00.32
